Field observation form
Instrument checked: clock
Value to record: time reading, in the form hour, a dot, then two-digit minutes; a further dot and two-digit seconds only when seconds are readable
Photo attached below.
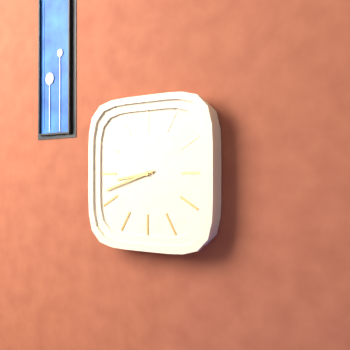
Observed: 8.42
